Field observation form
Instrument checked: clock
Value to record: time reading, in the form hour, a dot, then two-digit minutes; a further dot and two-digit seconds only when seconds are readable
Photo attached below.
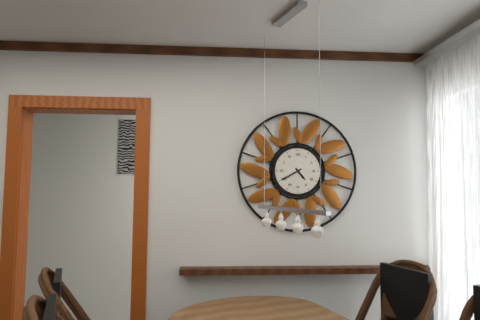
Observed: 4.40
